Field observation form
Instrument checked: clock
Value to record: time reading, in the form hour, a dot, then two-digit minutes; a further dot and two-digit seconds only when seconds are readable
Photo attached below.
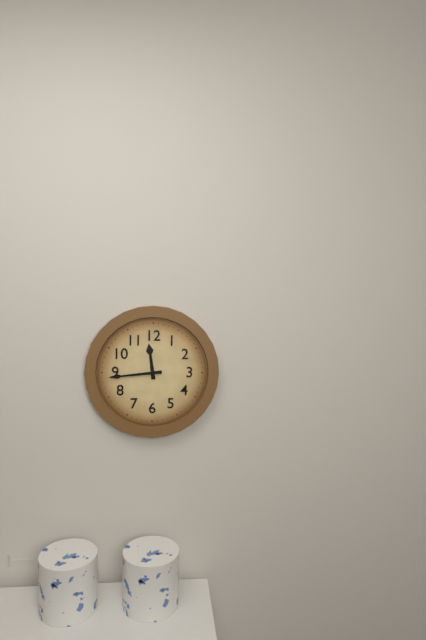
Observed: 11.44
